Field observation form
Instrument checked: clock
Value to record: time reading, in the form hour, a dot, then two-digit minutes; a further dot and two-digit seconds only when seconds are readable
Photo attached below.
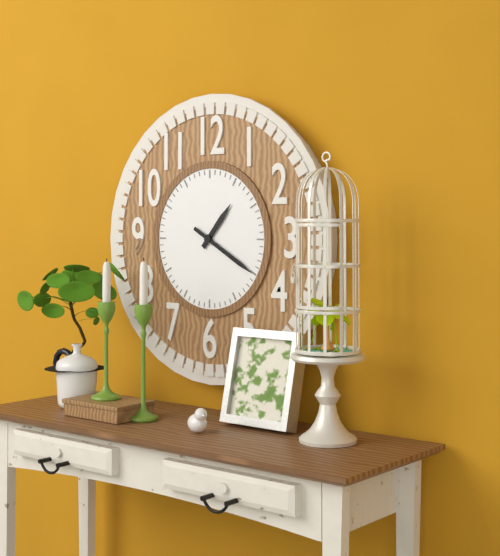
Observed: 1.20
